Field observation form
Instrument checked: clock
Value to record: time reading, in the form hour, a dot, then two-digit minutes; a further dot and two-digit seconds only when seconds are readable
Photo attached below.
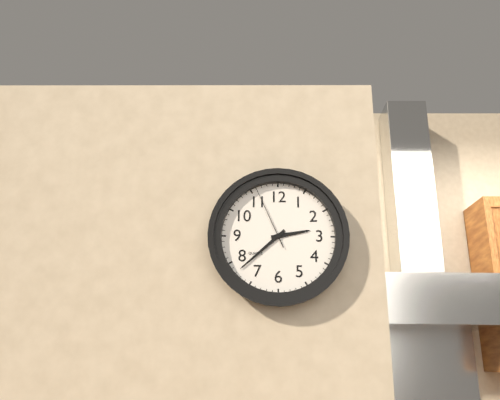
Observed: 2.38.56
